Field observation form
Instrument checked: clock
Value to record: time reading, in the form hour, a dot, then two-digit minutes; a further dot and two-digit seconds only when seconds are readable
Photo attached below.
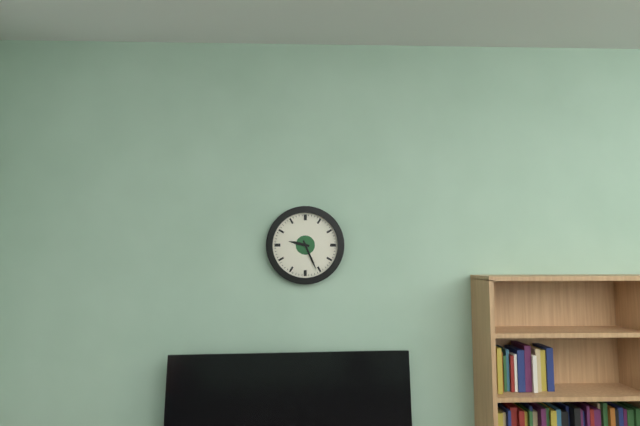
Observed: 9.26
